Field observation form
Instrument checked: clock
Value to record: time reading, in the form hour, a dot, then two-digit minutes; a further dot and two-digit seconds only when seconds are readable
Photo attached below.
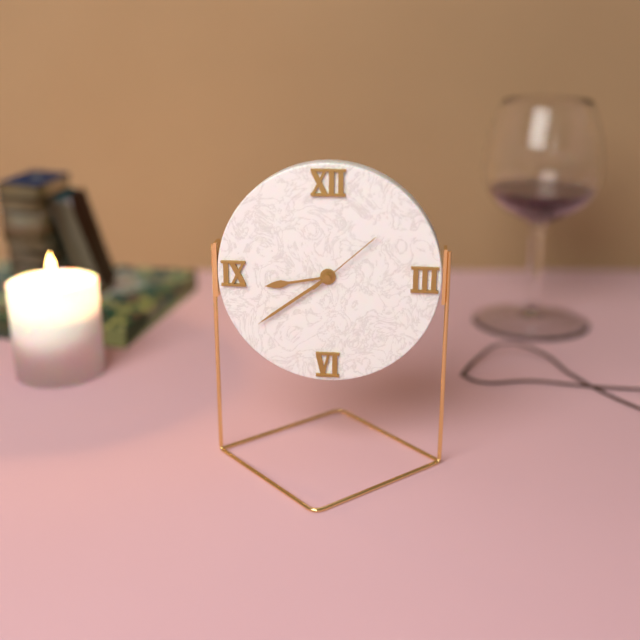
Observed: 8.39.08
